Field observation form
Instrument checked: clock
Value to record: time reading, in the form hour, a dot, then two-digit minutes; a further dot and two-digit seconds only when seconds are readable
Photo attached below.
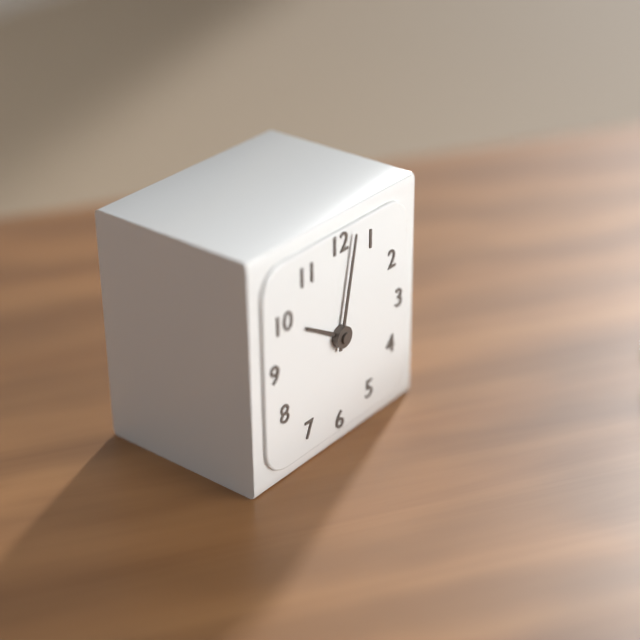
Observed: 10.02
